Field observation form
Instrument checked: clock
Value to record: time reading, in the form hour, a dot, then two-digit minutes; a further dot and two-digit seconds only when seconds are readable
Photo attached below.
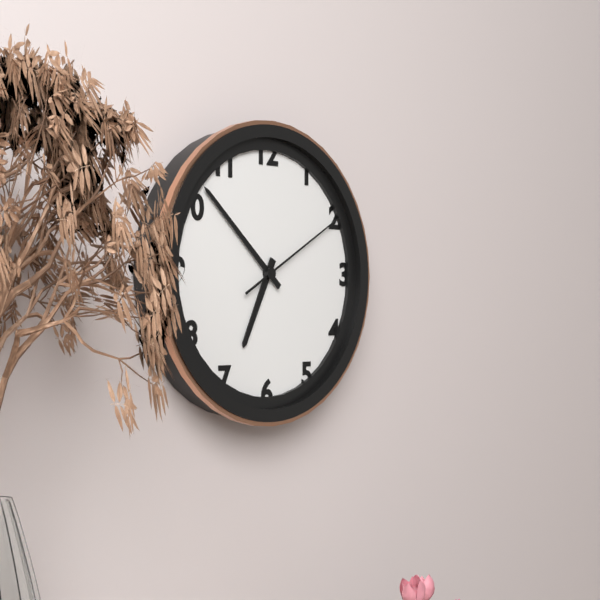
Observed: 6.52.10
